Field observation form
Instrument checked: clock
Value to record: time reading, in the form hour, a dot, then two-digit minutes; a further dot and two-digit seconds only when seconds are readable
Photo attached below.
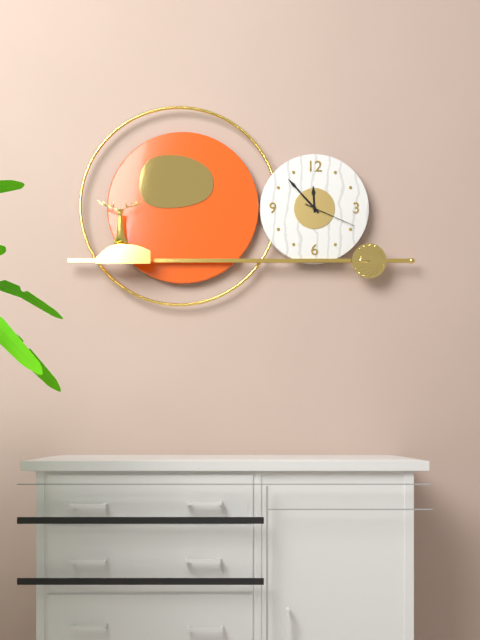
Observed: 11.53.19
